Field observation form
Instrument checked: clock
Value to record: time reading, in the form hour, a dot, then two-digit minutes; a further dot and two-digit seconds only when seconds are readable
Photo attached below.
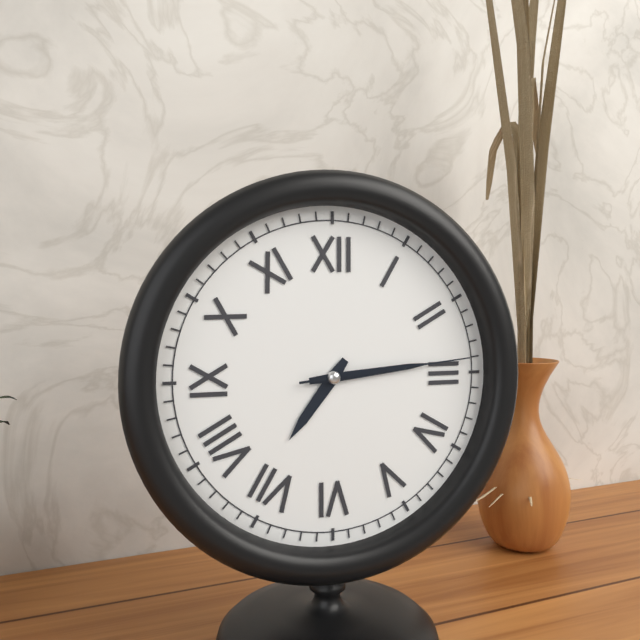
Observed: 7.14.14
